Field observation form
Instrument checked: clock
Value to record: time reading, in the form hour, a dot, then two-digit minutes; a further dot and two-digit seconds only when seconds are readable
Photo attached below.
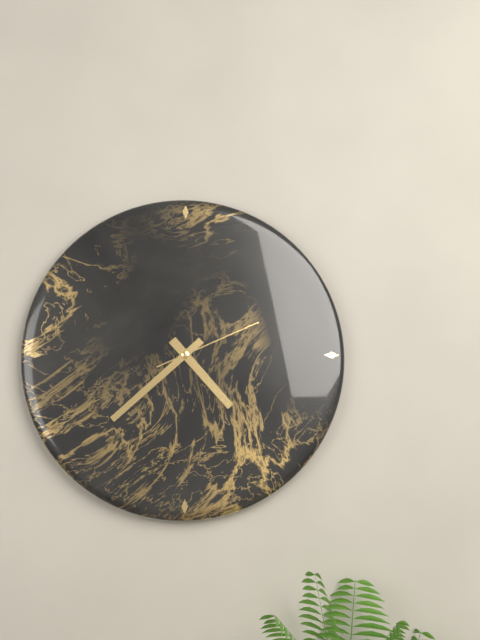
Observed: 4.38.11
